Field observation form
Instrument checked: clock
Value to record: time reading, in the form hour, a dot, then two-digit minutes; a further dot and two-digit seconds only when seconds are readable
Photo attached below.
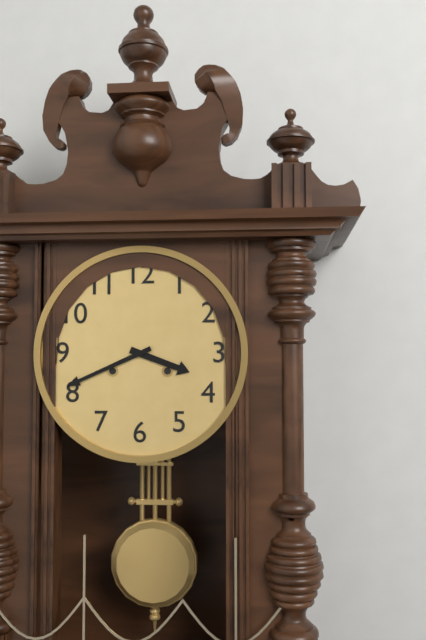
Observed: 3.41
